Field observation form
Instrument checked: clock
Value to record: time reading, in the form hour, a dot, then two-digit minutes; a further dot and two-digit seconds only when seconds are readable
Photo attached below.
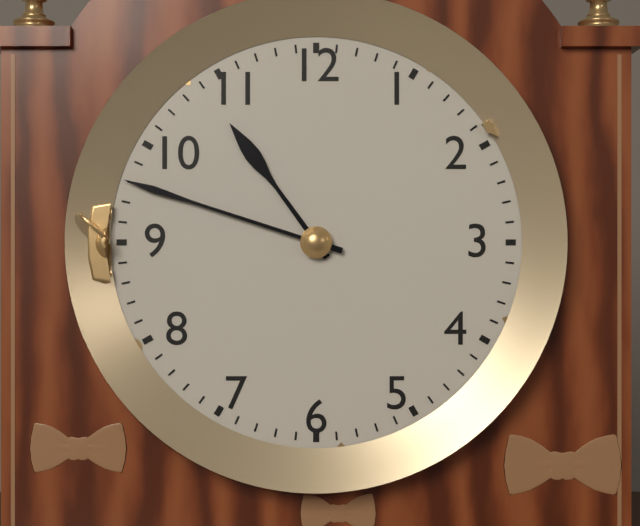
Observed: 10.48
